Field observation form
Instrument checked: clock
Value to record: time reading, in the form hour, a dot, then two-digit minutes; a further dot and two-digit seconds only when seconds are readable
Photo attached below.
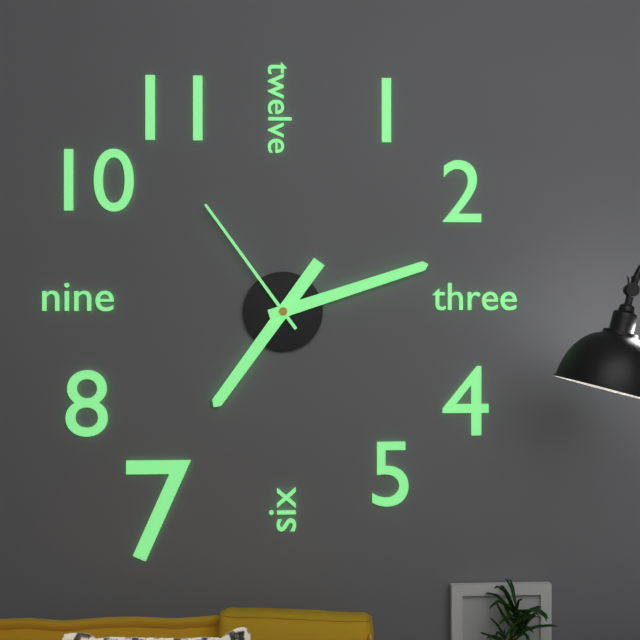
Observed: 7.12.54
